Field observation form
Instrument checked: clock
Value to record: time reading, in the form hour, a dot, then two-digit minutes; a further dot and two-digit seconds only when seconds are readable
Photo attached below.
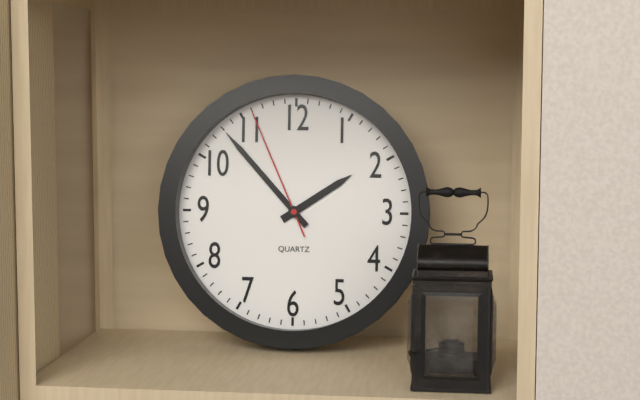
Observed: 1.53.56
